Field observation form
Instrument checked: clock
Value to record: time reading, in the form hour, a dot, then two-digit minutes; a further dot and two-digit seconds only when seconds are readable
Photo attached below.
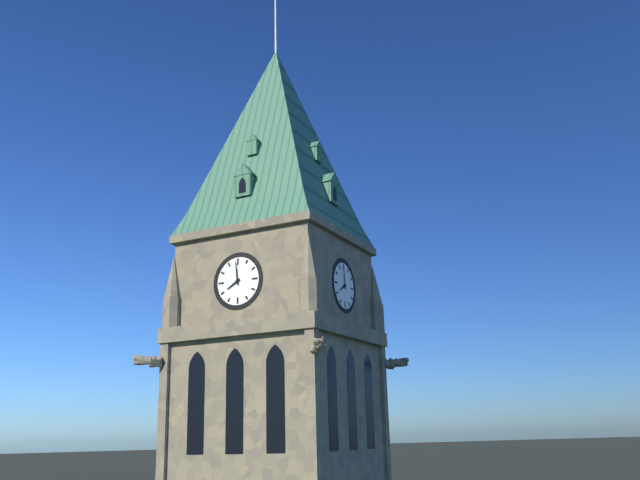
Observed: 7.59
